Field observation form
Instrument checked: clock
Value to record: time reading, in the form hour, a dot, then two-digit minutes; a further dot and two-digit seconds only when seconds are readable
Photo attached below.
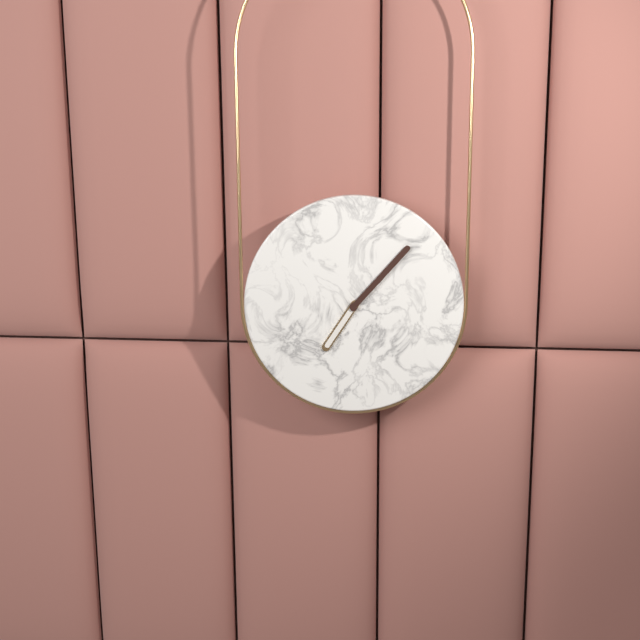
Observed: 7.07
